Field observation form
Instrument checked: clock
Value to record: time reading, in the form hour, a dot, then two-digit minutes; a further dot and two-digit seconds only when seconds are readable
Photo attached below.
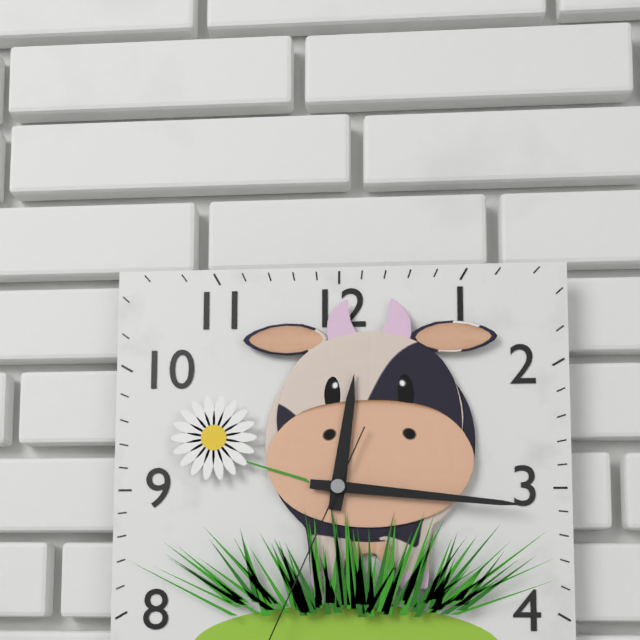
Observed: 12.16
